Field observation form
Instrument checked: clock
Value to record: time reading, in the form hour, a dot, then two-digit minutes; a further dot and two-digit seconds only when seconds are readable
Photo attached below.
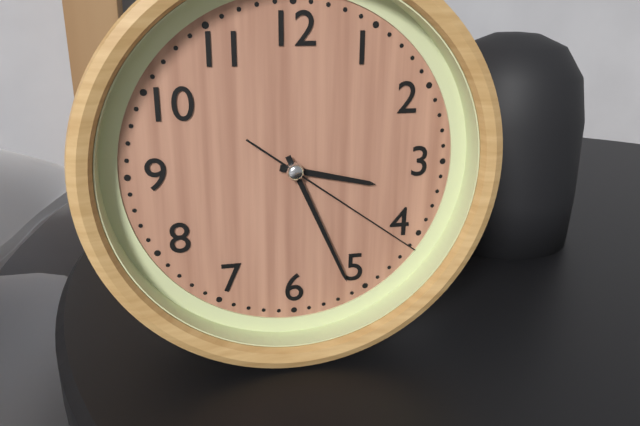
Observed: 3.26.21
